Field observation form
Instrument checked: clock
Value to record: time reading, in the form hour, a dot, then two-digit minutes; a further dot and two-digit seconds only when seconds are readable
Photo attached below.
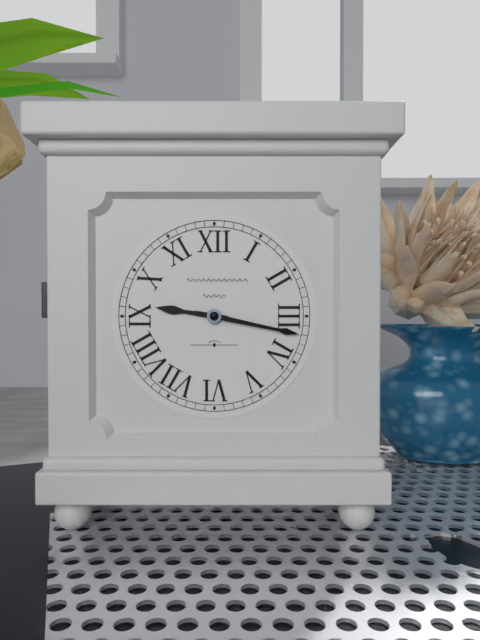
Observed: 9.17
